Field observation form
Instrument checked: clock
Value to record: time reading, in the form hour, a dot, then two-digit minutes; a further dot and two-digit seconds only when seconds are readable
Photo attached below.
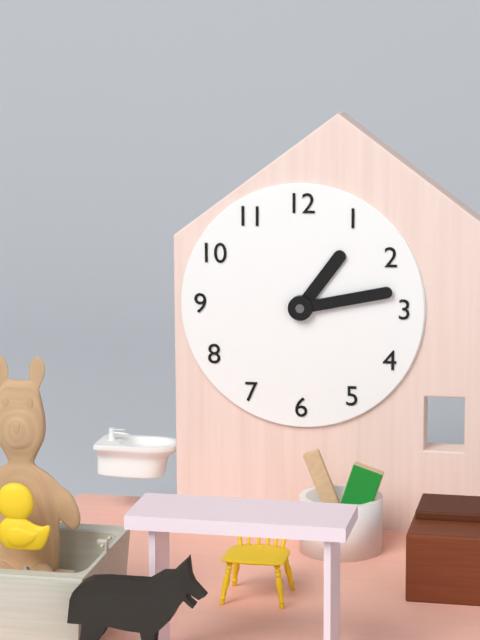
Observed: 1.13
